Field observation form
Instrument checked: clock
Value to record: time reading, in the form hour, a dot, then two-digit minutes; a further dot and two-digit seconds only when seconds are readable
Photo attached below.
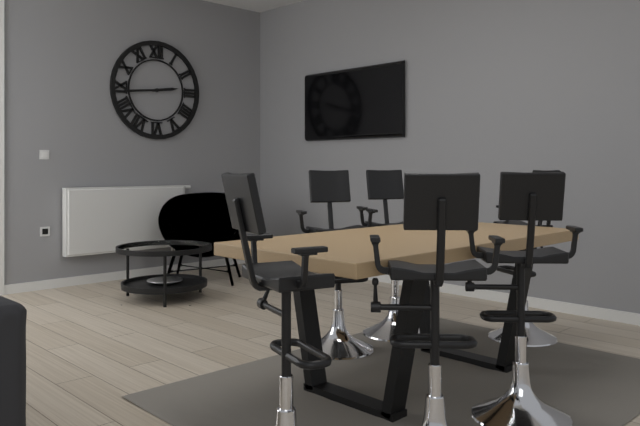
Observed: 2.44
